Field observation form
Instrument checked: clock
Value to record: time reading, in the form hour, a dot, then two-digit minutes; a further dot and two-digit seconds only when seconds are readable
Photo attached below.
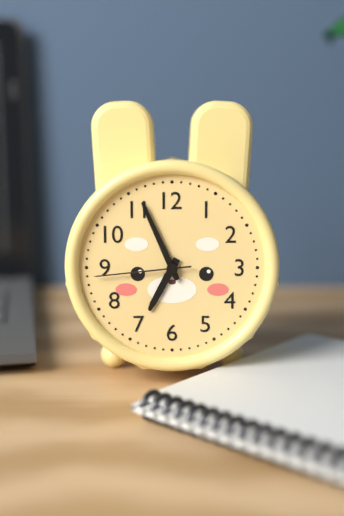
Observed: 6.56.44
